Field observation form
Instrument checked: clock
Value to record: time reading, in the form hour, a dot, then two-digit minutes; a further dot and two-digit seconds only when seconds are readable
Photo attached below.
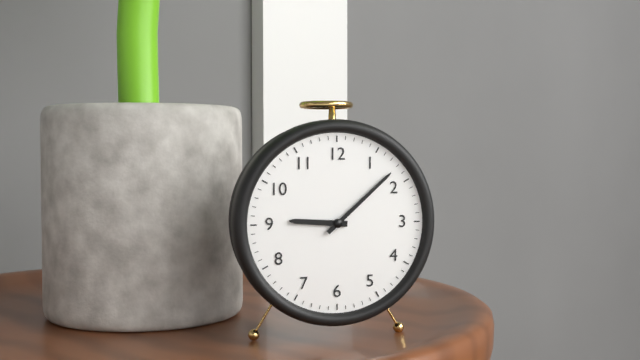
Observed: 9.08
